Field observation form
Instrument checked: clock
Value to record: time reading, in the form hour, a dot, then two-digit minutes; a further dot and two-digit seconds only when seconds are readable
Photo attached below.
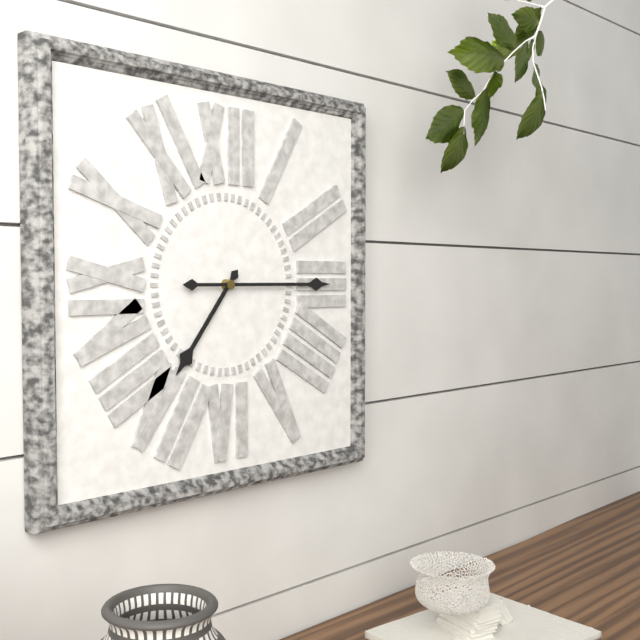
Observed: 7.15
